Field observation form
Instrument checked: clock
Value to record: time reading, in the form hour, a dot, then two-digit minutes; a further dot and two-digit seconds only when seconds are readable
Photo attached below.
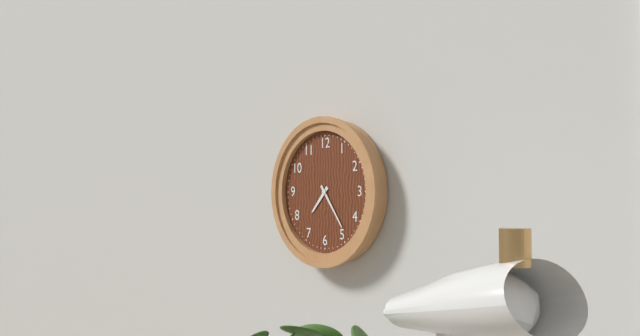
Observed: 7.24
